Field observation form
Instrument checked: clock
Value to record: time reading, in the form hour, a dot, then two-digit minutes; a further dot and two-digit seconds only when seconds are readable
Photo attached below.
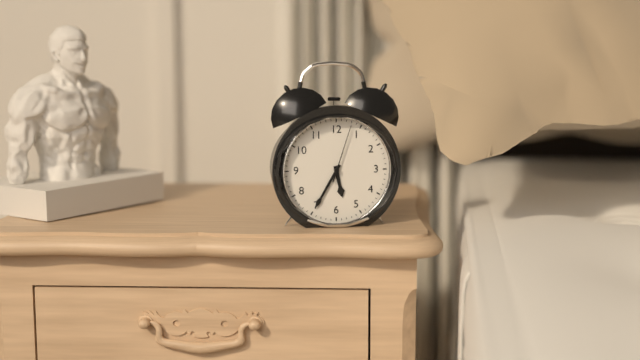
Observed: 5.35.03
